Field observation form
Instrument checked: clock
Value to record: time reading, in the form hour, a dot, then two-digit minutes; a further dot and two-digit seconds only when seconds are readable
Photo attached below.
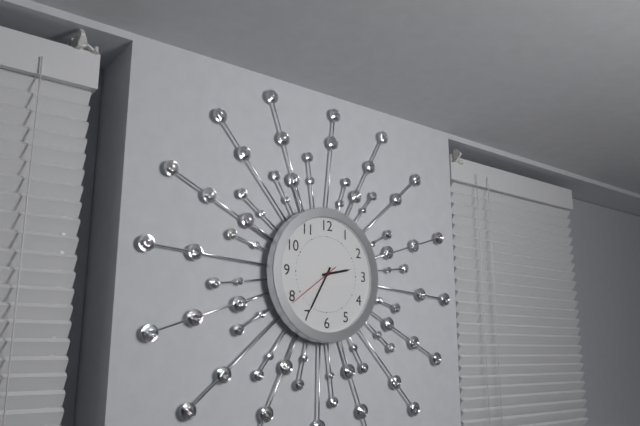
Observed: 2.35.39
